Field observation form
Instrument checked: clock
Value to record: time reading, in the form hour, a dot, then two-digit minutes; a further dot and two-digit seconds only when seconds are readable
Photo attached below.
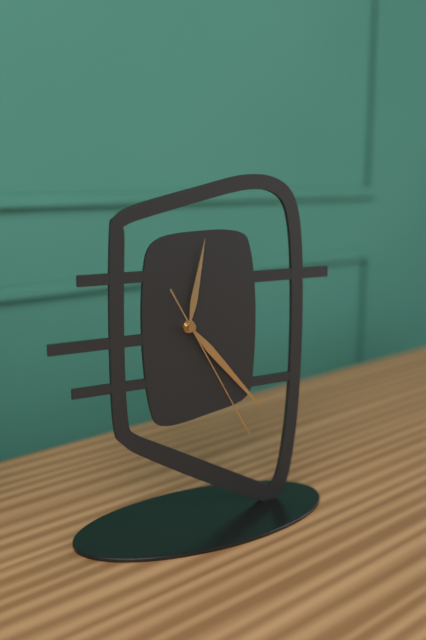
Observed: 12.23.25
